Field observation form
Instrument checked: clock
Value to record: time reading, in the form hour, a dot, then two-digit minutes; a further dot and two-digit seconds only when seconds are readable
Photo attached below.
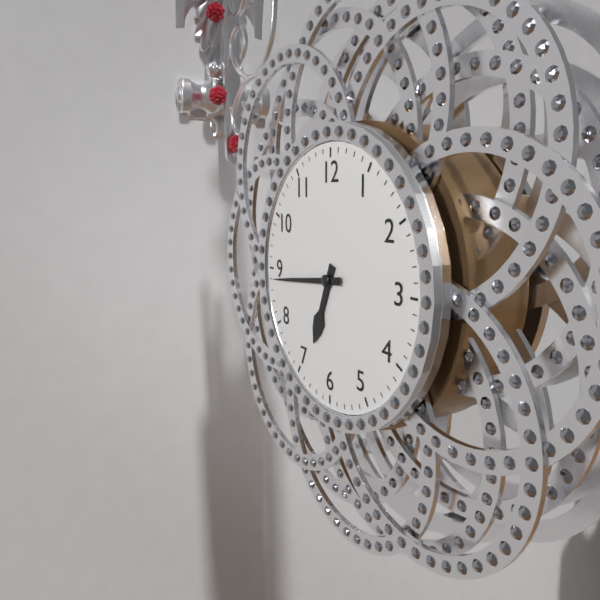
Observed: 6.44
